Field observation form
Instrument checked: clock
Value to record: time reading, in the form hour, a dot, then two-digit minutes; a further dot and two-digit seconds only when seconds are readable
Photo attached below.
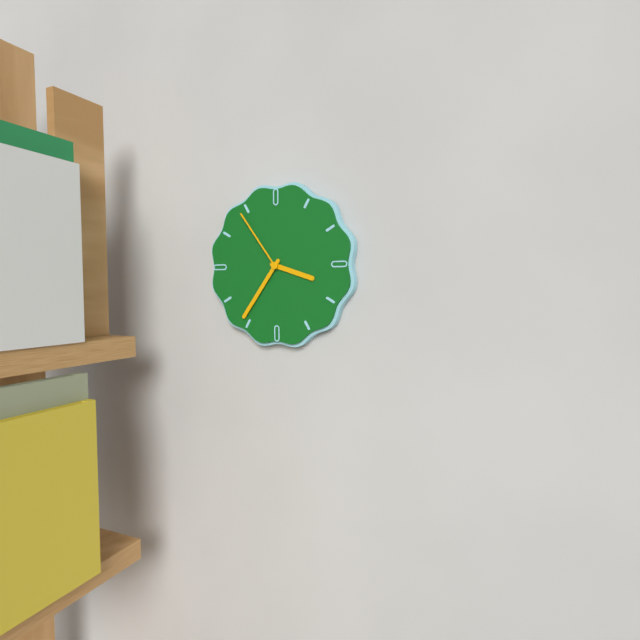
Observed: 3.36.54
